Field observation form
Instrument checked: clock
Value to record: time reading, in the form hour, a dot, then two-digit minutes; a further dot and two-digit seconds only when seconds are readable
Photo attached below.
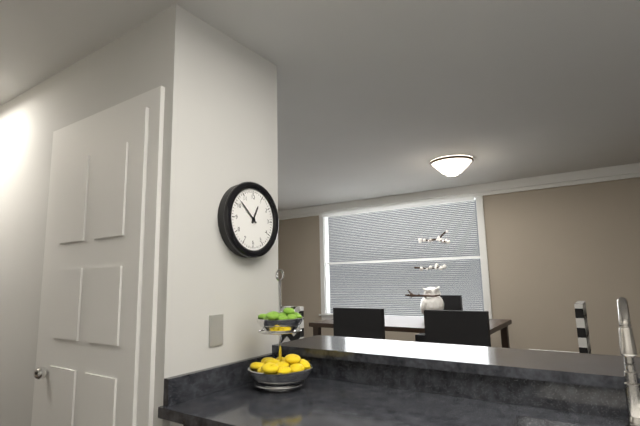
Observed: 12.52
